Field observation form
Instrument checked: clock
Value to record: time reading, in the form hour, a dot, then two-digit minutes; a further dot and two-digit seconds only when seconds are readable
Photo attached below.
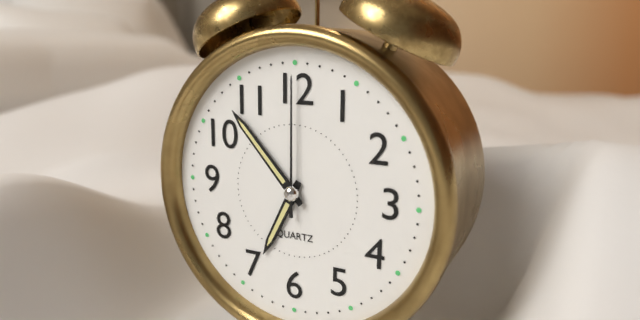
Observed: 6.53.00
